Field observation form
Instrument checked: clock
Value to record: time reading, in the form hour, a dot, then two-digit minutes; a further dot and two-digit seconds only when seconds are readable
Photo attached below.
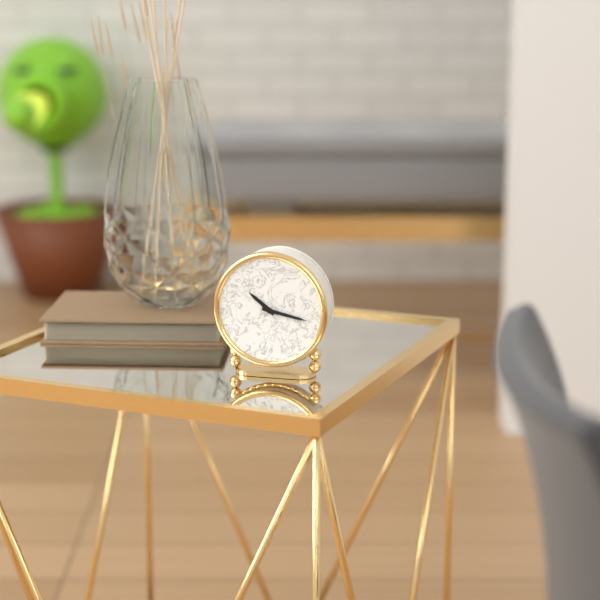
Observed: 10.17
